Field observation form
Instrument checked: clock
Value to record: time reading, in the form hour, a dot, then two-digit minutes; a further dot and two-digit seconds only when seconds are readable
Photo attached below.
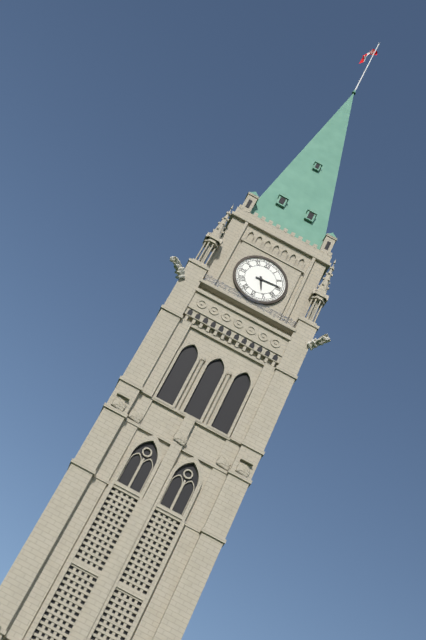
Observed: 5.14
